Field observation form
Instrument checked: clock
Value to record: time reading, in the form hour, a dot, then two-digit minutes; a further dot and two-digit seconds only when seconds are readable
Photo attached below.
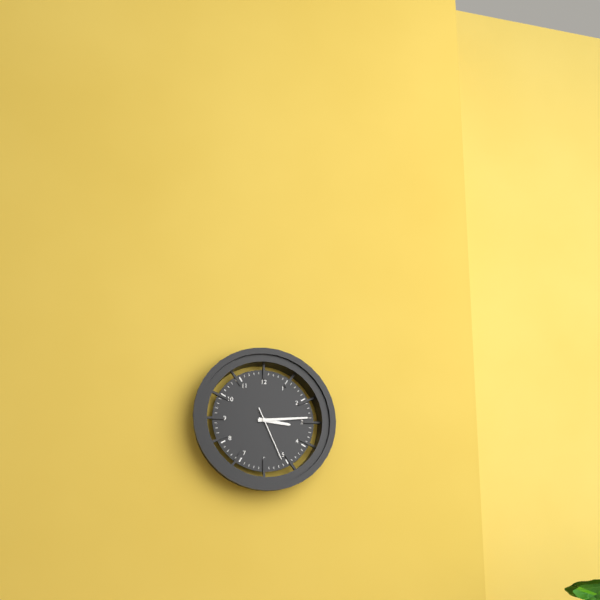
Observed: 3.14.26
